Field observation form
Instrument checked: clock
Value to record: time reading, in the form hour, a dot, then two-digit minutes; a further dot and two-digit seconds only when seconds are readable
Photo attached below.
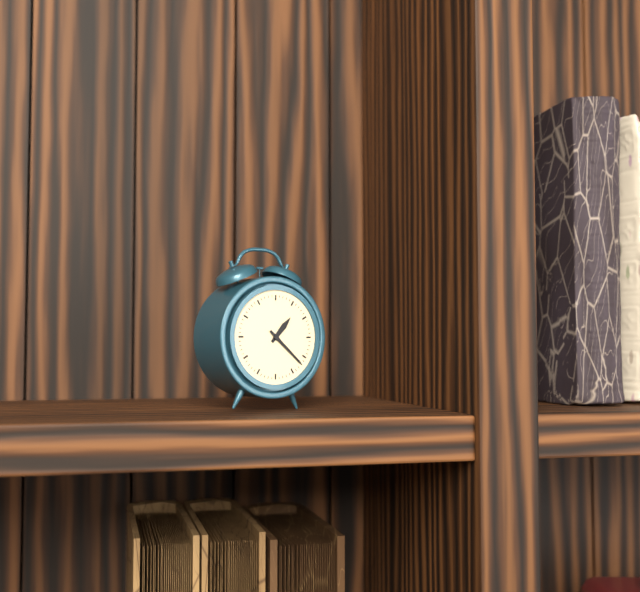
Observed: 1.22
